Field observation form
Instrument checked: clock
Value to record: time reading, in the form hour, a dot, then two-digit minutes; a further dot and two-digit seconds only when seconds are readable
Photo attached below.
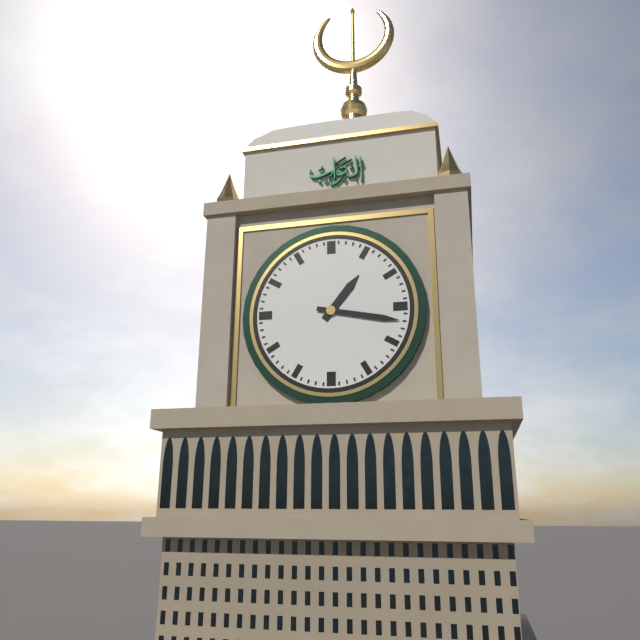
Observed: 1.17
